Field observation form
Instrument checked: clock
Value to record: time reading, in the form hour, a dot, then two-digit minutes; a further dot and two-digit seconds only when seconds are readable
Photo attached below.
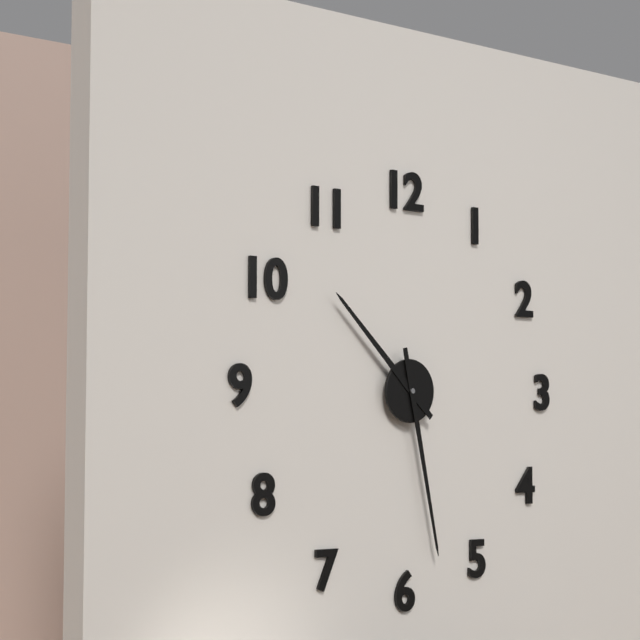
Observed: 10.28
